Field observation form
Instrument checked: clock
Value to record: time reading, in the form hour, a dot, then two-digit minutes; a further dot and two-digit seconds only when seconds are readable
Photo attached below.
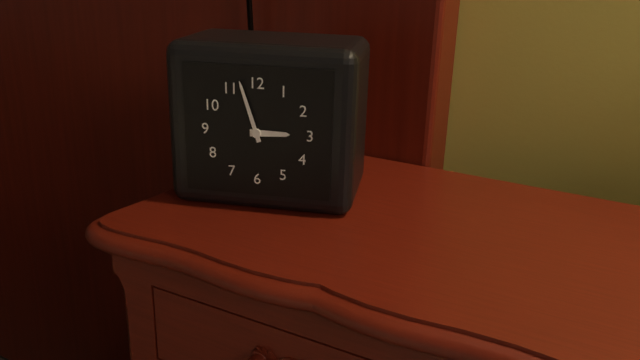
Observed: 2.57
